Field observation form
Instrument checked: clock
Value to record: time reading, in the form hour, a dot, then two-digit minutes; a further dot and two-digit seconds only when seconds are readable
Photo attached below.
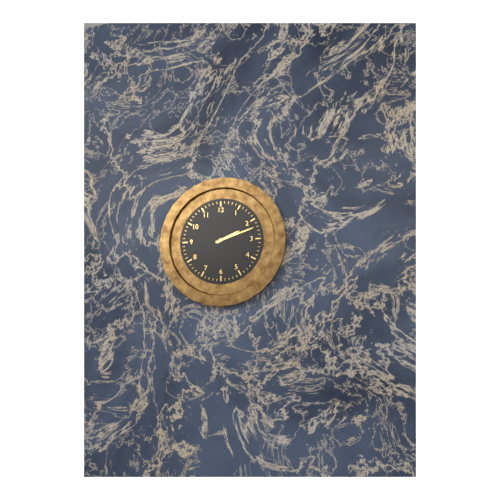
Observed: 2.12
